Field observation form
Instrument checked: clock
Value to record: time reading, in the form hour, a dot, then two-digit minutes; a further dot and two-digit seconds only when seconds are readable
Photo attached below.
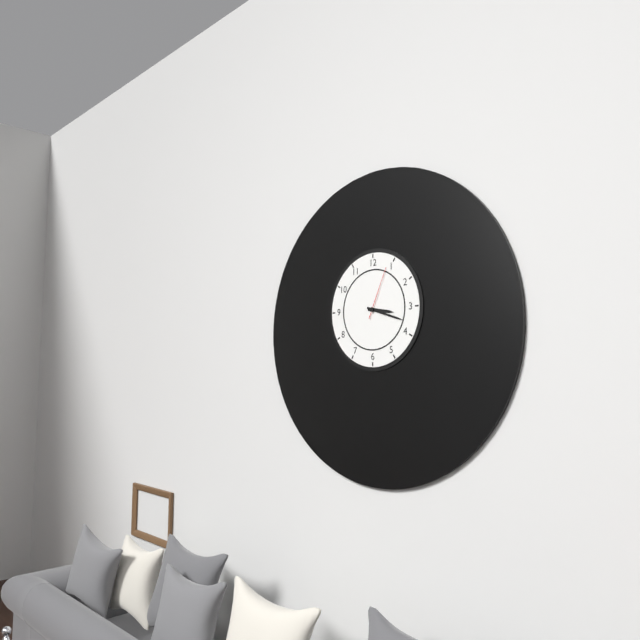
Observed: 3.18.04
